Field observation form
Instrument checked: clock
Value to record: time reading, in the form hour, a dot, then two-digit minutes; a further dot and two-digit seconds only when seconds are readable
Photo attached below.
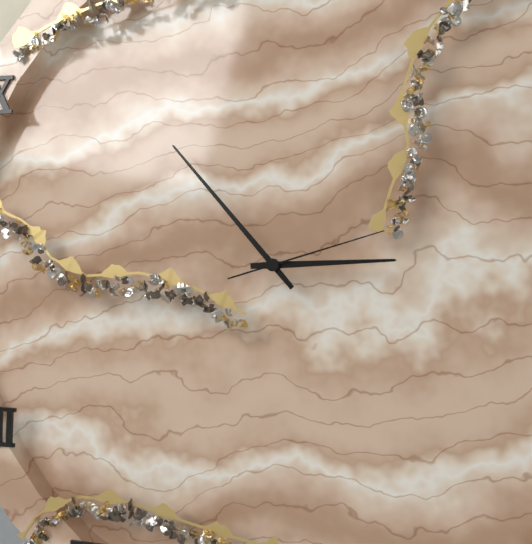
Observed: 2.53.12
